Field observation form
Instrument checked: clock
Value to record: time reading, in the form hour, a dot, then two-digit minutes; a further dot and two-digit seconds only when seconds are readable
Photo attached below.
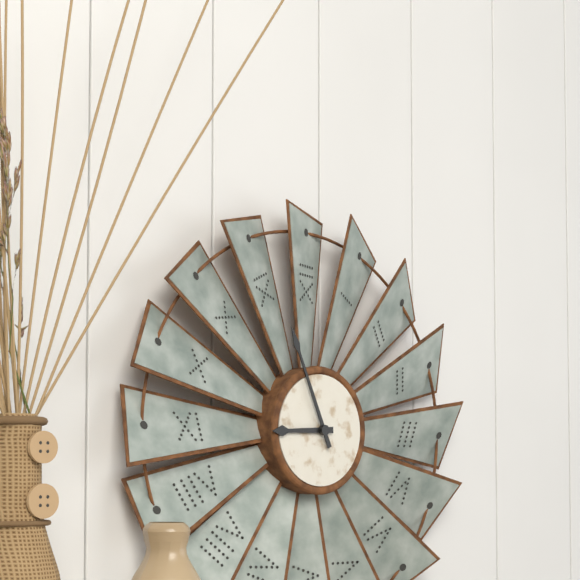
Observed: 8.56
